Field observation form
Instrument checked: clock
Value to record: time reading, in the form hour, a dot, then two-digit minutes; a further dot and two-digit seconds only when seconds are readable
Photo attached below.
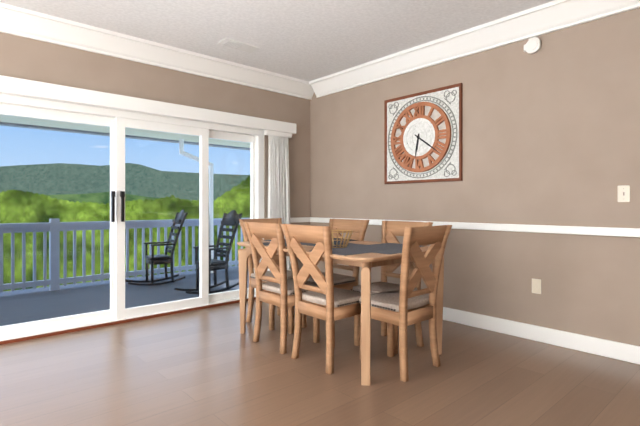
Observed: 6.21
